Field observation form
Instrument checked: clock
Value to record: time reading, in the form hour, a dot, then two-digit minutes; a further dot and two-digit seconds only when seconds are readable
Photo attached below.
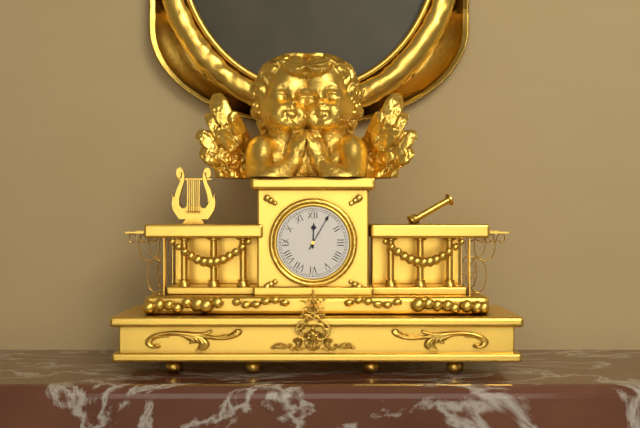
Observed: 12.05
